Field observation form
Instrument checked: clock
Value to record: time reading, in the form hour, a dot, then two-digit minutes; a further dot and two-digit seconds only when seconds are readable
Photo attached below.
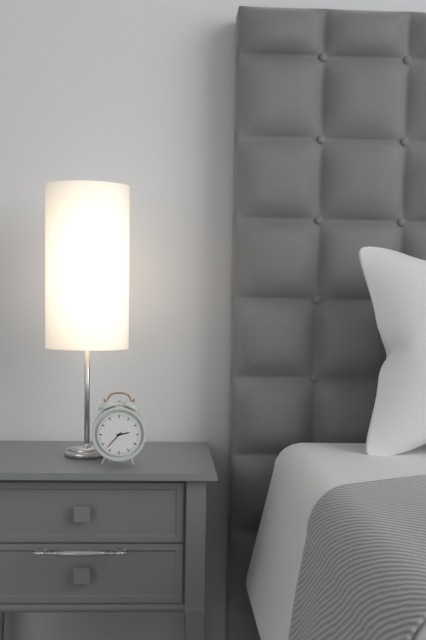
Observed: 2.37
